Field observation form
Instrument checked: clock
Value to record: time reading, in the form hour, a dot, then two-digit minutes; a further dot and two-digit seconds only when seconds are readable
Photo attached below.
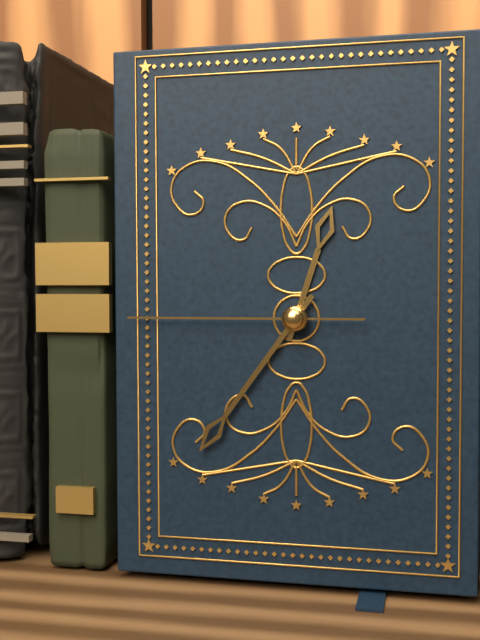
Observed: 12.36.45
